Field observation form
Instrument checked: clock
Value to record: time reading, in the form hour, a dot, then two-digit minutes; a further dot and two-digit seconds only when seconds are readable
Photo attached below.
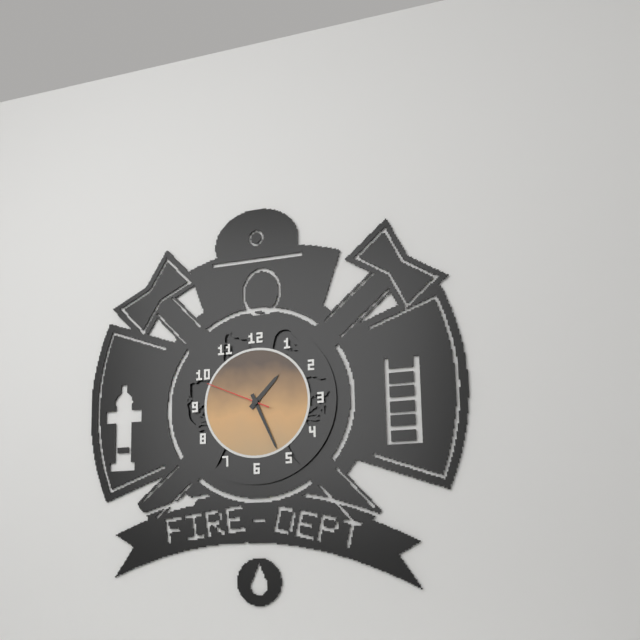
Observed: 1.26.49
